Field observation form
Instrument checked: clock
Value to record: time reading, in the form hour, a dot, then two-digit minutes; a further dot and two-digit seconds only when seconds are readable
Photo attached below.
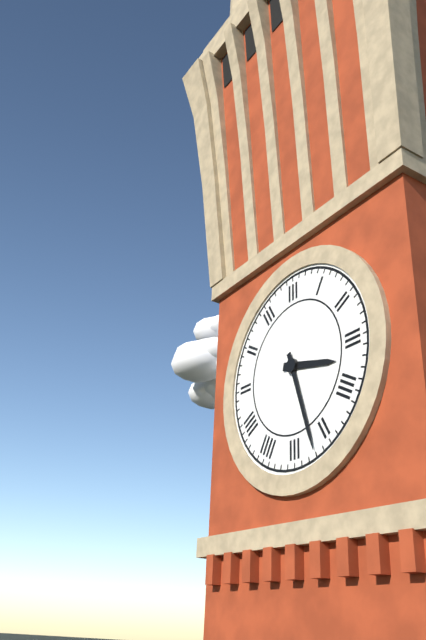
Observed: 3.27
